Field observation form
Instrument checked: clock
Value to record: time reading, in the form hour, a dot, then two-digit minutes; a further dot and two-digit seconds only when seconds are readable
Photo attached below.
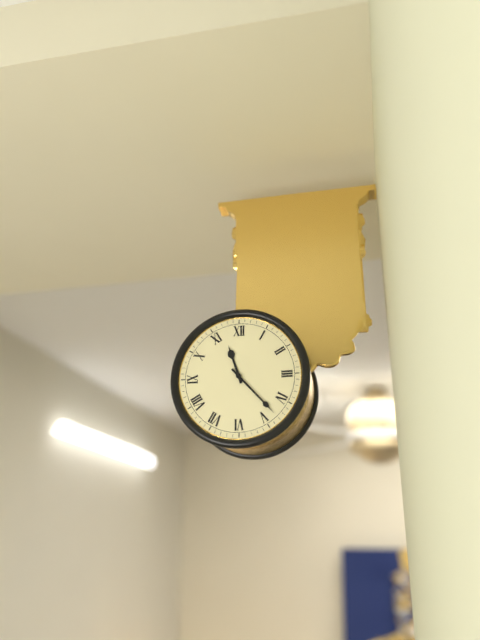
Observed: 11.23
